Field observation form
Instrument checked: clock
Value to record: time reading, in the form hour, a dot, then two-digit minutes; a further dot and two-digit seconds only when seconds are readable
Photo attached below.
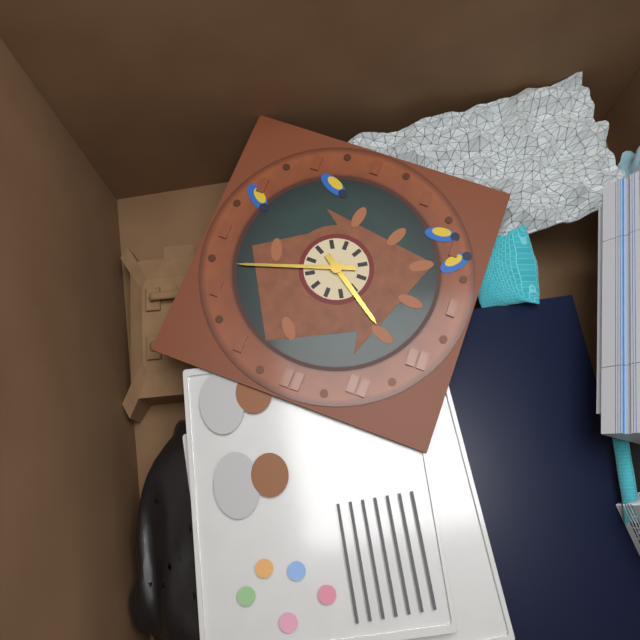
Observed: 10.12
